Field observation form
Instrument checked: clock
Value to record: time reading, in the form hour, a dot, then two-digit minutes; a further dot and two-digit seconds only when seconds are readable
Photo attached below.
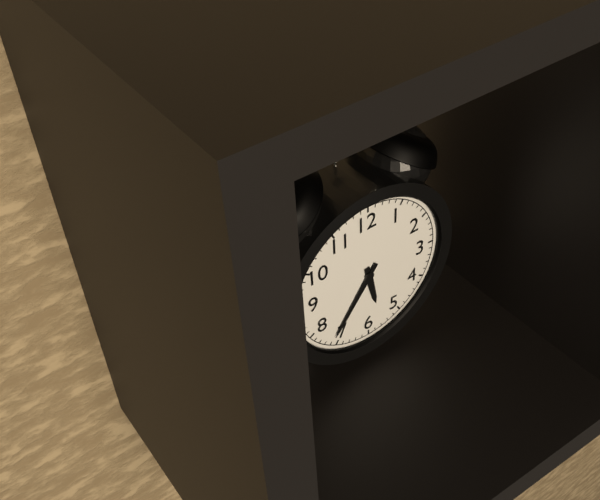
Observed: 5.36
